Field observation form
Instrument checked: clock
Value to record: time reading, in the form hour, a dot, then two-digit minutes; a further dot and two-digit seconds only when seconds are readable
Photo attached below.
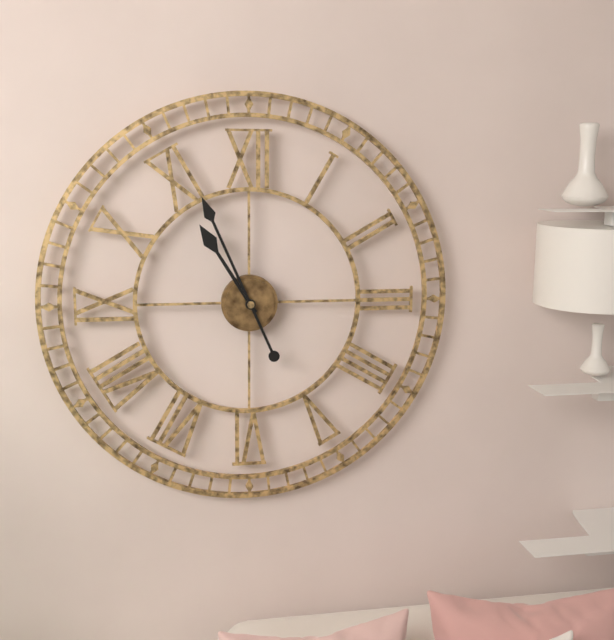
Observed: 10.56
